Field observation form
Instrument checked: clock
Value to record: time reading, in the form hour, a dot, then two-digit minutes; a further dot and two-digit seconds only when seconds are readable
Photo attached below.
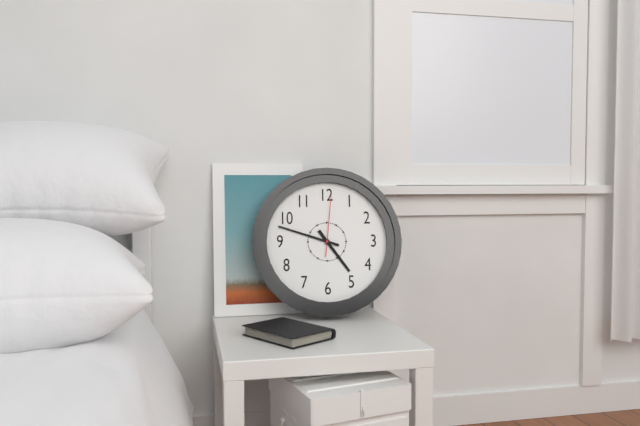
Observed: 4.48.01
